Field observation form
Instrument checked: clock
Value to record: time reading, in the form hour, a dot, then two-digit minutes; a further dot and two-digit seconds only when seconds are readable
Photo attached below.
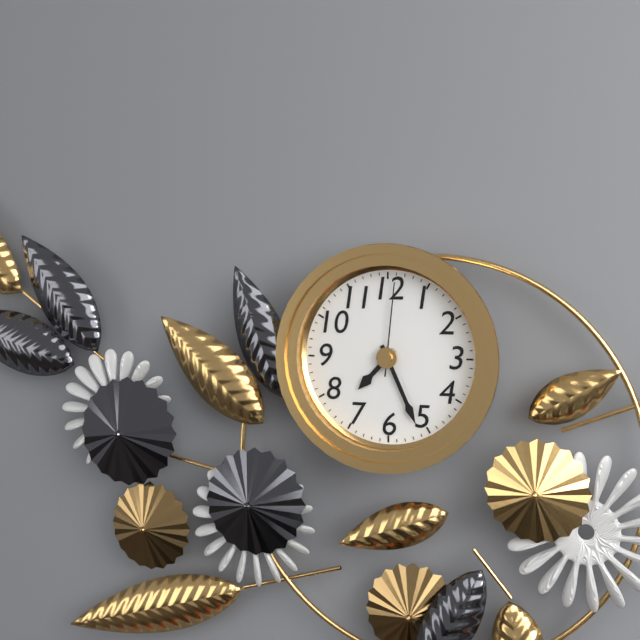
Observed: 7.26.01
